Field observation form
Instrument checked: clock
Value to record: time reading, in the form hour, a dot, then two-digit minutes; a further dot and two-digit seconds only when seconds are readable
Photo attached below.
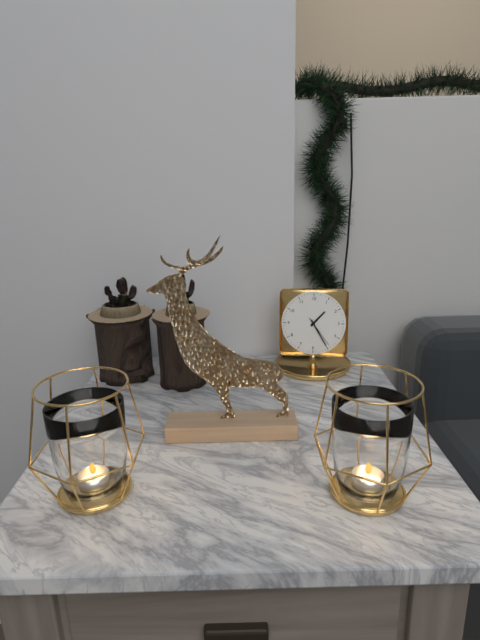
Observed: 1.25
